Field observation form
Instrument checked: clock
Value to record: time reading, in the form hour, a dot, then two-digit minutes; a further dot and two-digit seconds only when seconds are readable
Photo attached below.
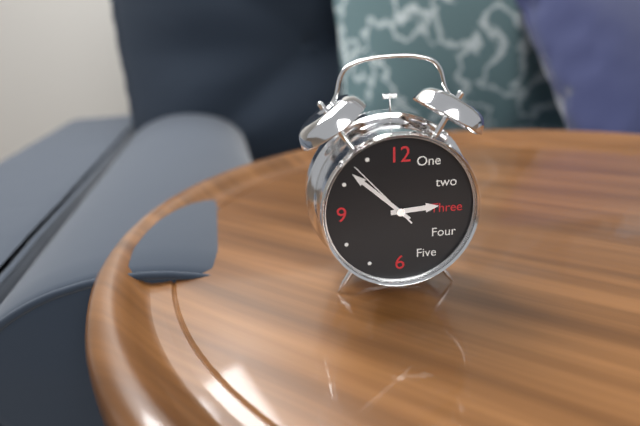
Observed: 2.52.53
